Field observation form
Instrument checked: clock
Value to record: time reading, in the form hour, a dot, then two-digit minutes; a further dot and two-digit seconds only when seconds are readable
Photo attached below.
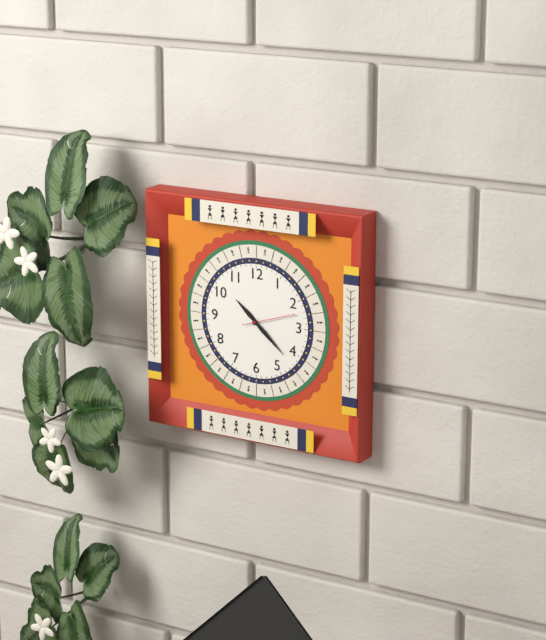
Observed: 10.22.12
